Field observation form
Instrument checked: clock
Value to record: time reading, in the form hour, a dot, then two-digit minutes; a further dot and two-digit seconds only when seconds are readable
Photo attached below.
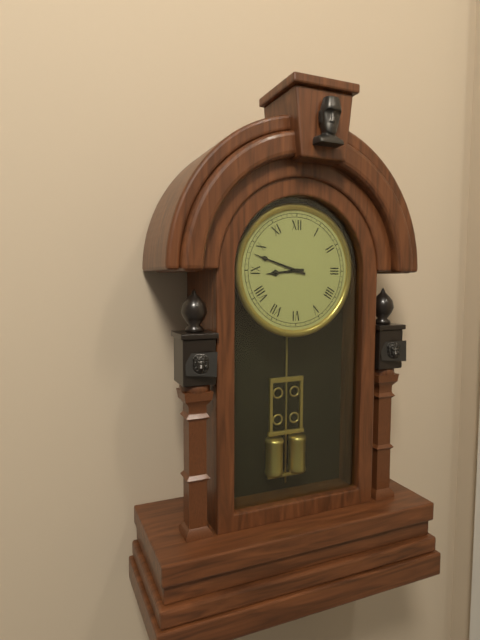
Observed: 8.48
